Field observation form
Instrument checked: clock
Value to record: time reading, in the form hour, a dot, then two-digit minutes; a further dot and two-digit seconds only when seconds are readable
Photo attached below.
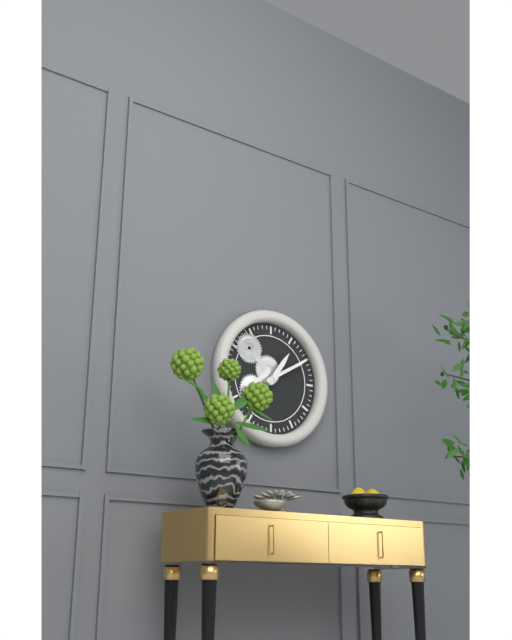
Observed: 1.10
